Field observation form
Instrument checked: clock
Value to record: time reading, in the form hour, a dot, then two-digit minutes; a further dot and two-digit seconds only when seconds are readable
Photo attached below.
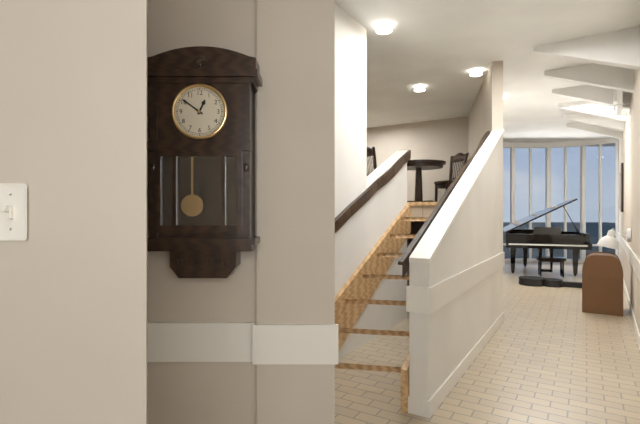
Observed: 12.51
